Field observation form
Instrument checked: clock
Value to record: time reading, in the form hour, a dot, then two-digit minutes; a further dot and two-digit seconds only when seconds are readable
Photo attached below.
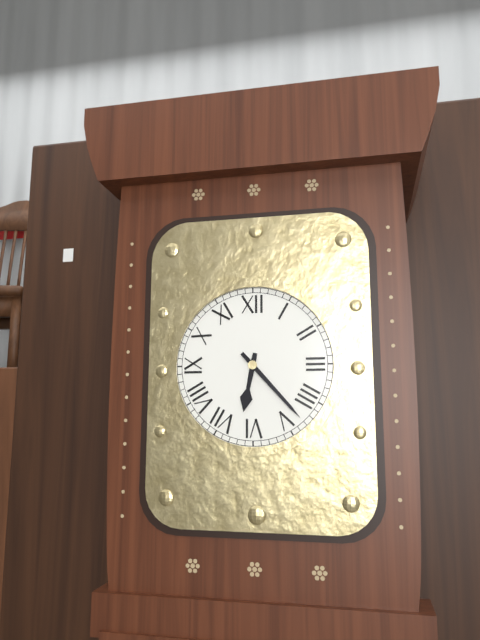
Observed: 6.23
